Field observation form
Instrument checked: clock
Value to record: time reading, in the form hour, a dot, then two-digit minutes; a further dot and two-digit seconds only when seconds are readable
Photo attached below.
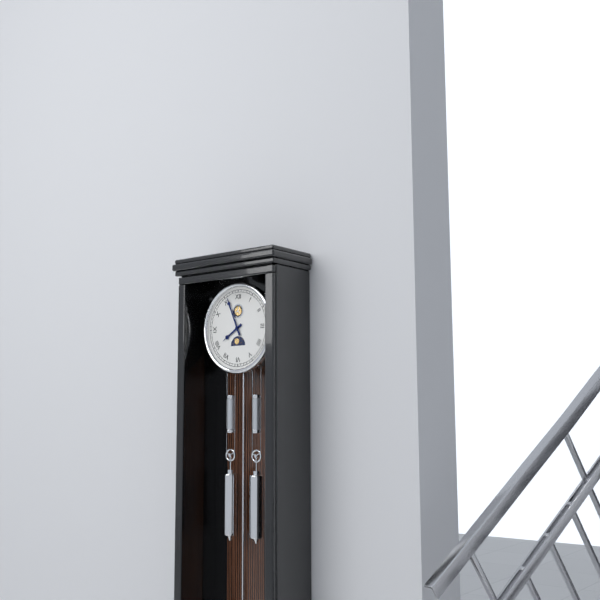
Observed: 7.56
